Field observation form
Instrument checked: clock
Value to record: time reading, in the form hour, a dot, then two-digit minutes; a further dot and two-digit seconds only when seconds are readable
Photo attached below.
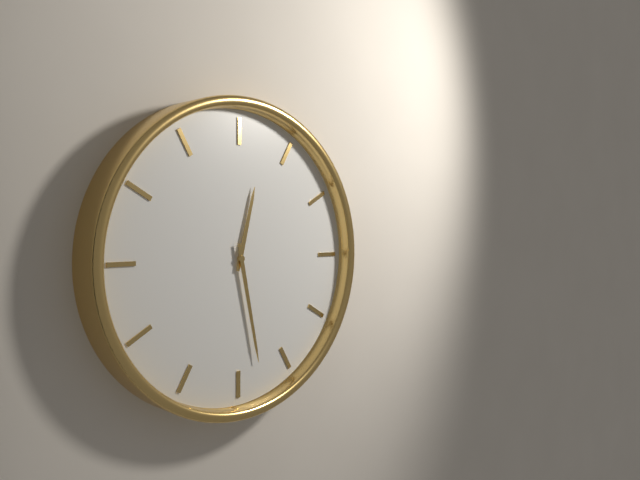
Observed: 12.28
